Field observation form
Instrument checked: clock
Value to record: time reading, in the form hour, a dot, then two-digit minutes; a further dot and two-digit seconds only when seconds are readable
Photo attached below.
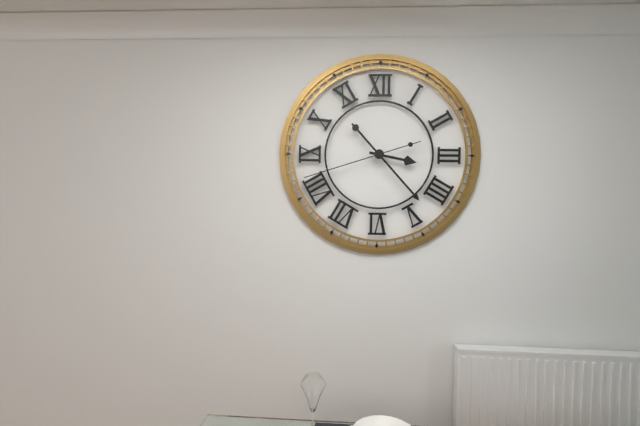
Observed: 3.23.42
